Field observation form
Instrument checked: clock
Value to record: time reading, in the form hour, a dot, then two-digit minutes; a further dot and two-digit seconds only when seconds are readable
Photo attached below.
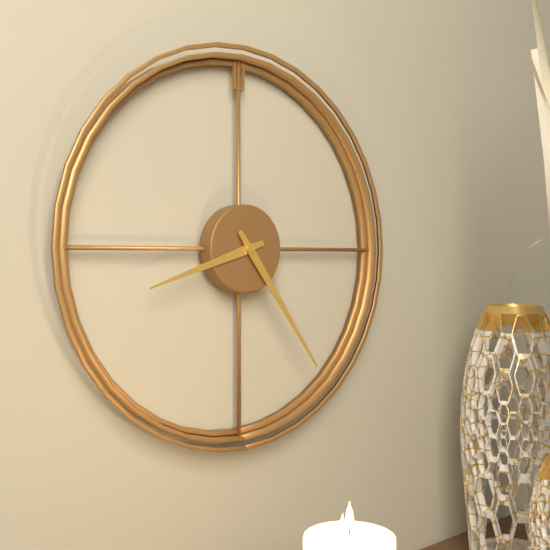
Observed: 8.24
